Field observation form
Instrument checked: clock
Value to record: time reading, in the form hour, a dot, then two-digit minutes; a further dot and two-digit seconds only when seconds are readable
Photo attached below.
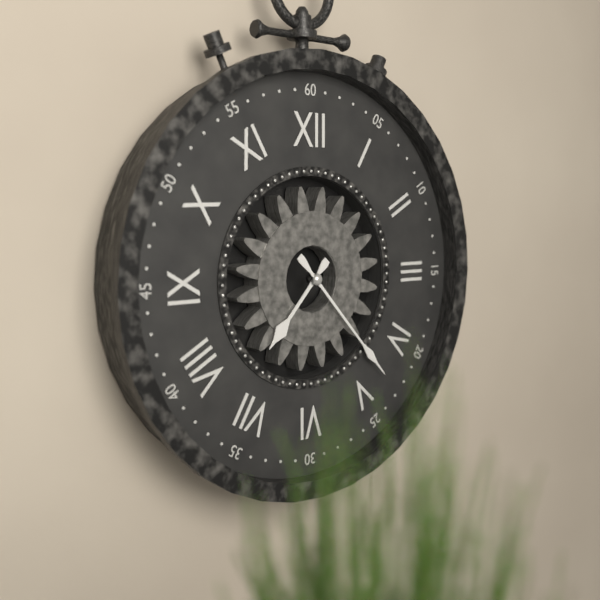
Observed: 7.23
